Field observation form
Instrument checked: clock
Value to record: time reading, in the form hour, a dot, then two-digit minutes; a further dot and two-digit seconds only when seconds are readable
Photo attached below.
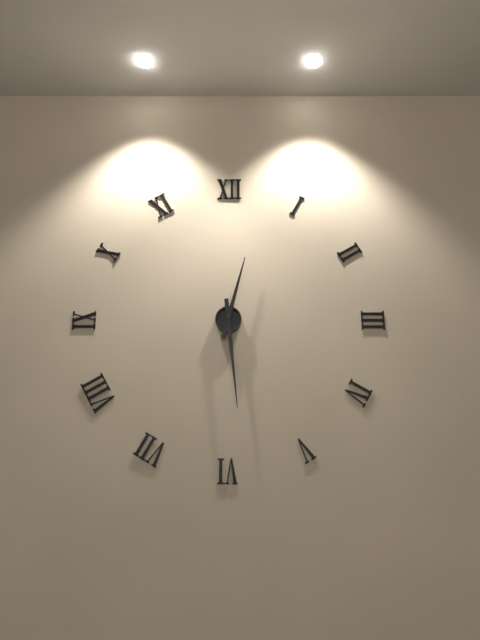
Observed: 12.29
